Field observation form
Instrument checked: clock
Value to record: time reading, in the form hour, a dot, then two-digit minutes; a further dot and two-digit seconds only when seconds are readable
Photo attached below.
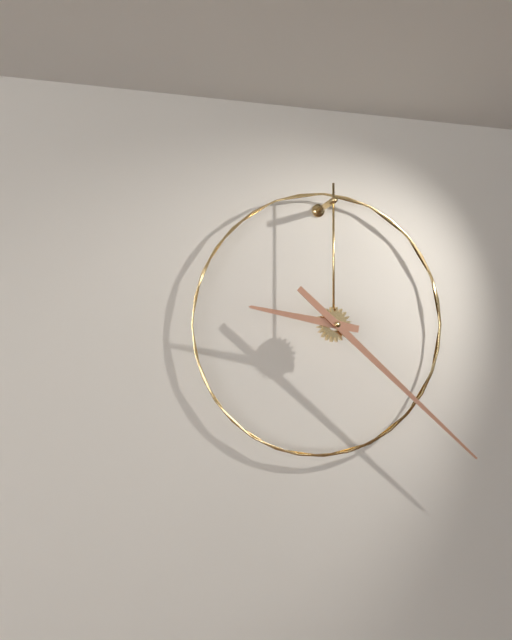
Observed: 9.22
